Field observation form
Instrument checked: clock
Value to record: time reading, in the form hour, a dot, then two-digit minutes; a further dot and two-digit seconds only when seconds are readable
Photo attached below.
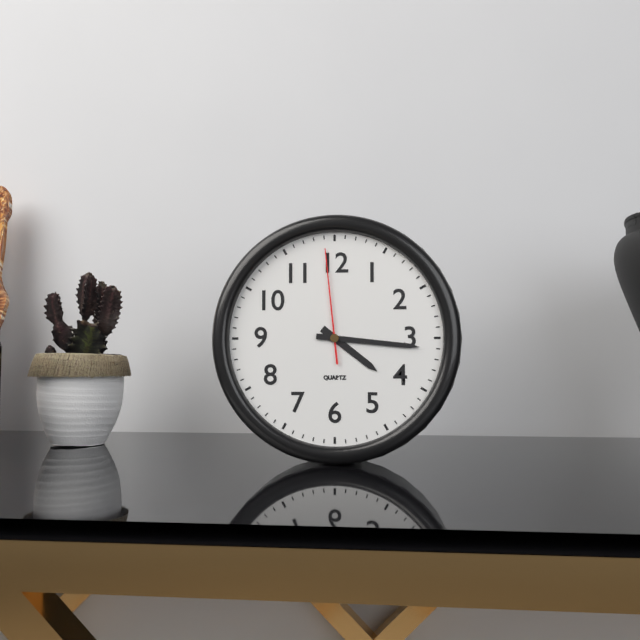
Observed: 4.16.59
